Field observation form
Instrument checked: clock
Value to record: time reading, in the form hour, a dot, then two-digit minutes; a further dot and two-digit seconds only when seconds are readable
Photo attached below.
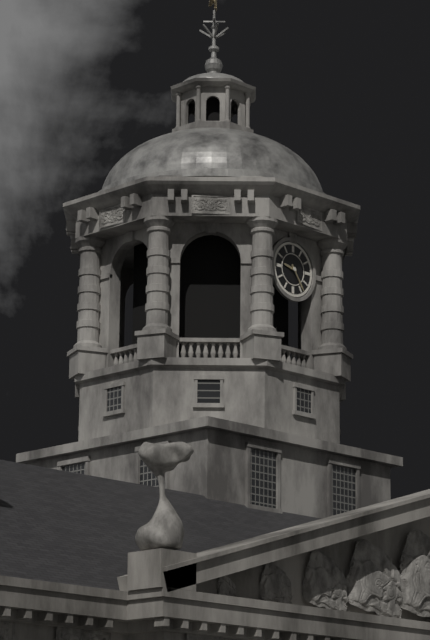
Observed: 9.24
